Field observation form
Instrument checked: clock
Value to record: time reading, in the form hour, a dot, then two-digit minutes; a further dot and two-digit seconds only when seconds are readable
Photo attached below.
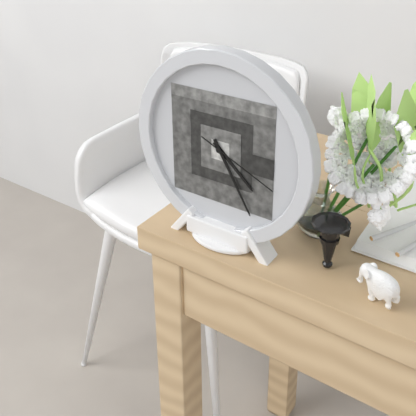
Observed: 4.25.19
